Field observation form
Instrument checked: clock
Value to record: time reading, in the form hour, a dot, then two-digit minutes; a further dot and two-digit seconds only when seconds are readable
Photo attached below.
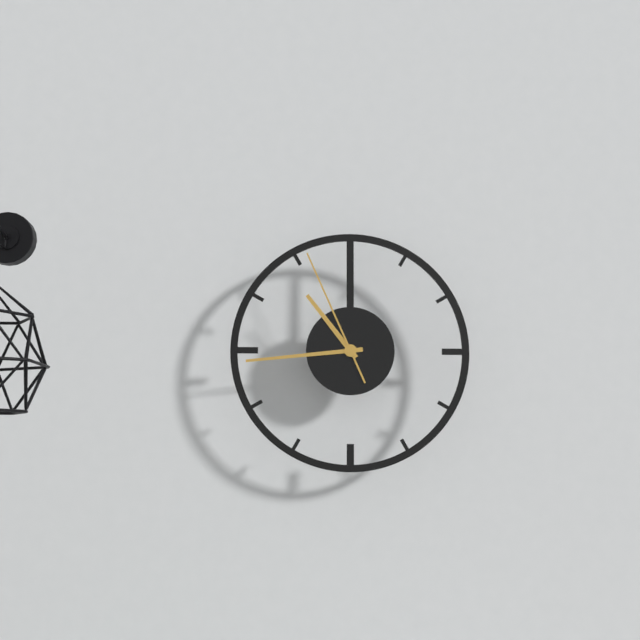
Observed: 10.44.56
